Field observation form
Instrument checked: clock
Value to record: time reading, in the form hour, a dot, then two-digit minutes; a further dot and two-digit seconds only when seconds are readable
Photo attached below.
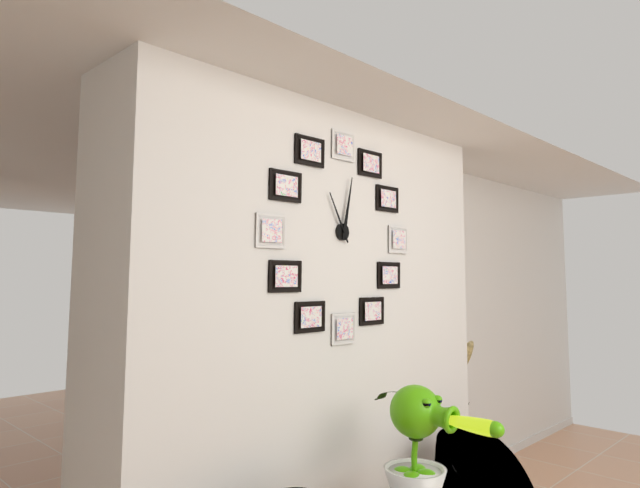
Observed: 11.02
